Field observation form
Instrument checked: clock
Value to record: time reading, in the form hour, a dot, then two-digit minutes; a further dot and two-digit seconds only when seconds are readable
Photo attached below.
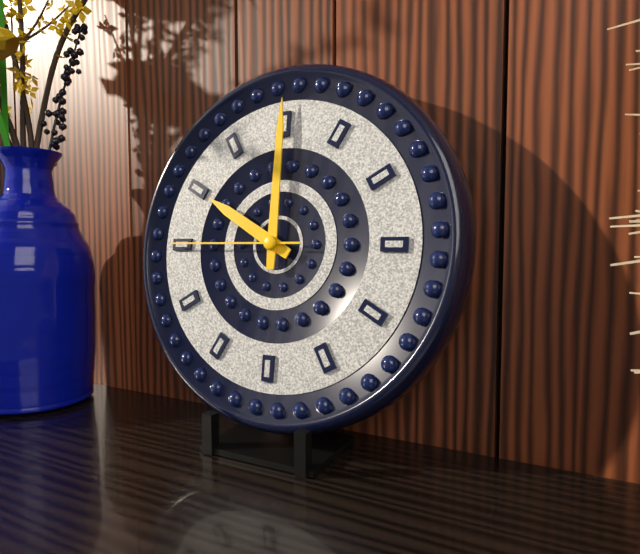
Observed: 10.00.45
